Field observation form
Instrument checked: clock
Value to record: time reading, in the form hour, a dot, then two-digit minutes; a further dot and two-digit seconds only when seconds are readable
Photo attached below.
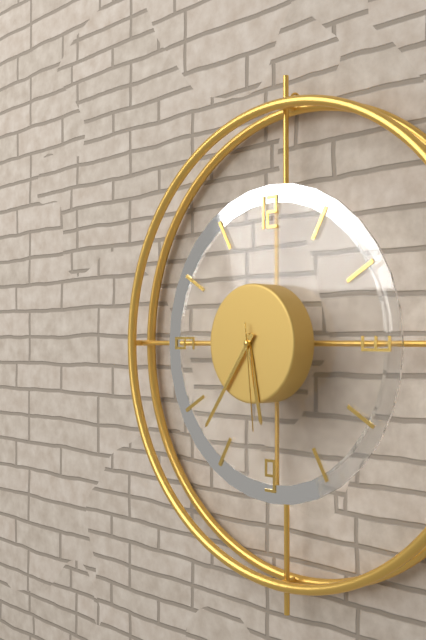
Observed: 5.36.29
